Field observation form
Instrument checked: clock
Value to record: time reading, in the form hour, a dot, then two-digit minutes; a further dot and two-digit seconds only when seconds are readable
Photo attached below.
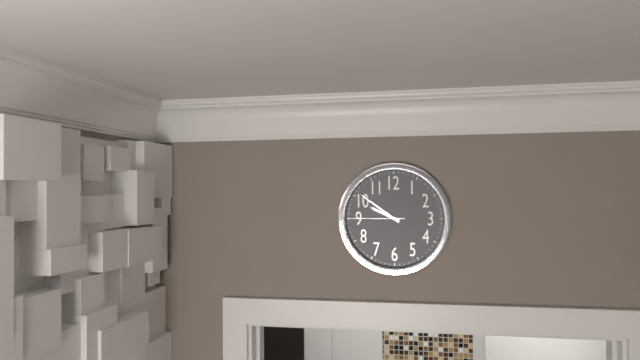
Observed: 9.51.45
